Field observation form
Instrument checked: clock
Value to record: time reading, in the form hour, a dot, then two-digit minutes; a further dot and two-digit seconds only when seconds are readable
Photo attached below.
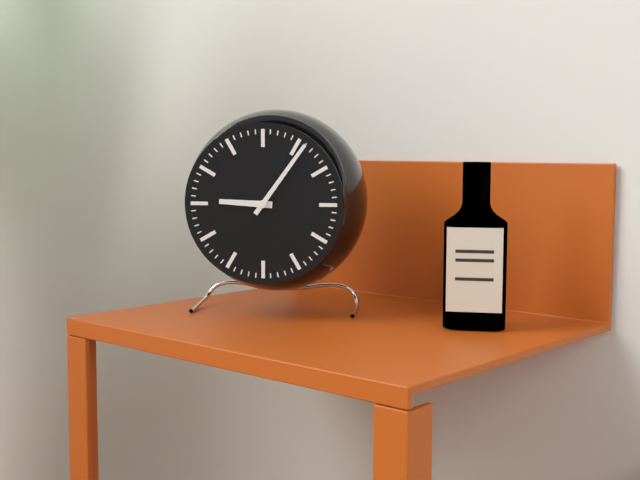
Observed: 9.06
